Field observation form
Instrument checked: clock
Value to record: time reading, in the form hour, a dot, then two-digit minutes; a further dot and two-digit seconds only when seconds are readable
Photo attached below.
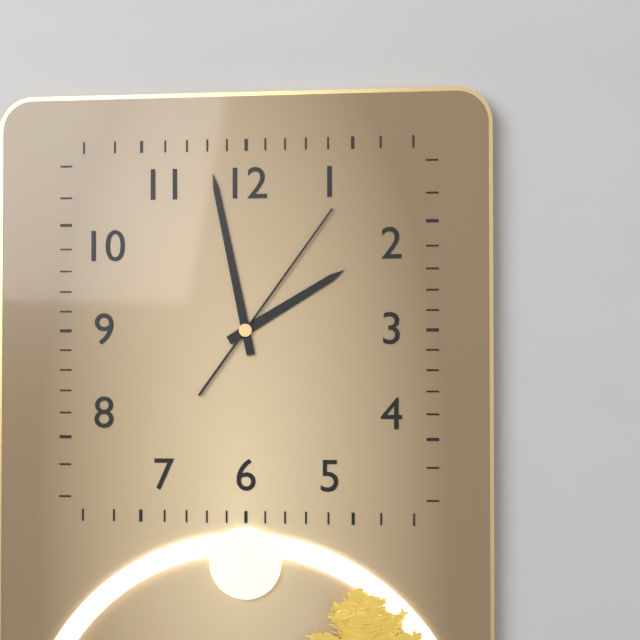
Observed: 1.58.06
